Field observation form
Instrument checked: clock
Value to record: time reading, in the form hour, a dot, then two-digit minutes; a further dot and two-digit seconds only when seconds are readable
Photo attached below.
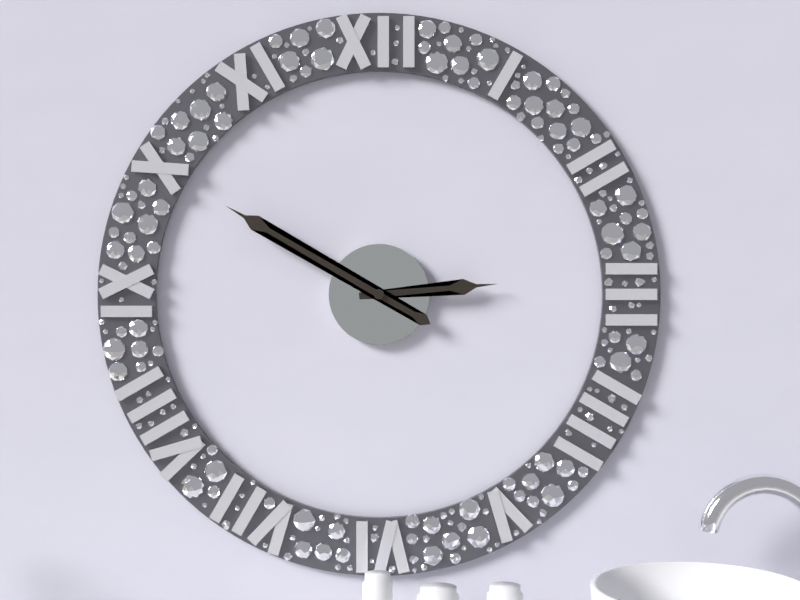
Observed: 2.50
